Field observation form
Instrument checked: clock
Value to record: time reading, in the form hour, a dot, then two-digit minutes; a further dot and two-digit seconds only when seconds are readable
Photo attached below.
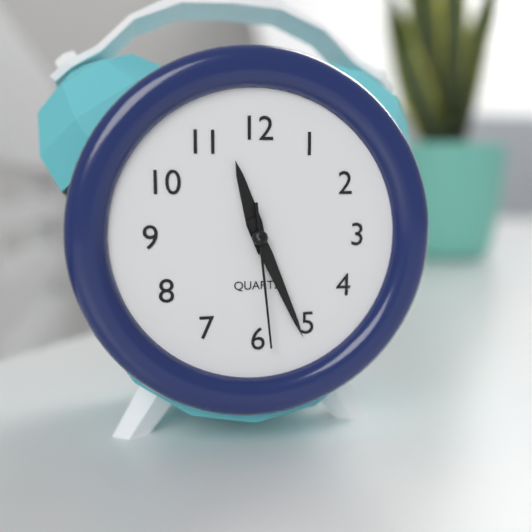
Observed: 11.26.29
